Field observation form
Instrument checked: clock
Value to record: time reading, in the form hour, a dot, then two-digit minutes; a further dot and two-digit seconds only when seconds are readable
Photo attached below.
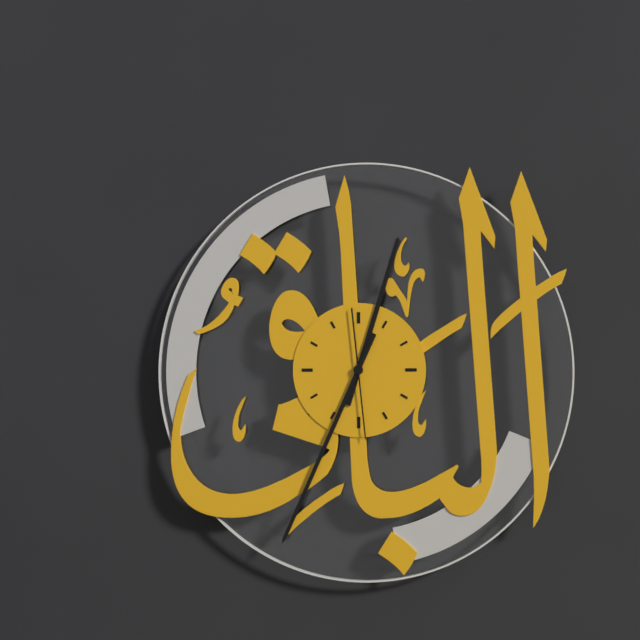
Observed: 12.34.29
